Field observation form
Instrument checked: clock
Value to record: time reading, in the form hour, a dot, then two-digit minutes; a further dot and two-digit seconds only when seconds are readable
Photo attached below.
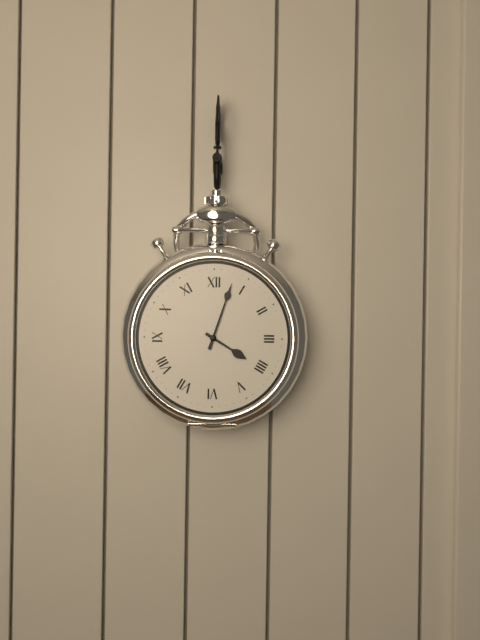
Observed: 4.03
